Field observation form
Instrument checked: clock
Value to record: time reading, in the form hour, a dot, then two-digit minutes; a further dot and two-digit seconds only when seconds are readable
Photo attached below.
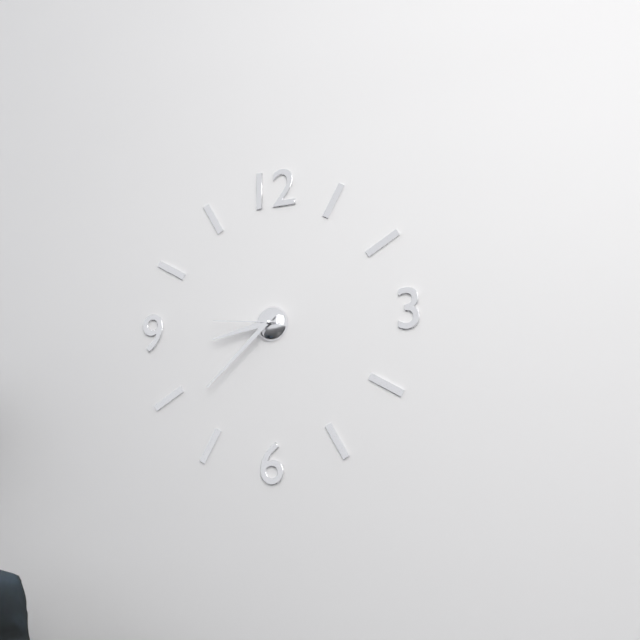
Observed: 8.38.46
